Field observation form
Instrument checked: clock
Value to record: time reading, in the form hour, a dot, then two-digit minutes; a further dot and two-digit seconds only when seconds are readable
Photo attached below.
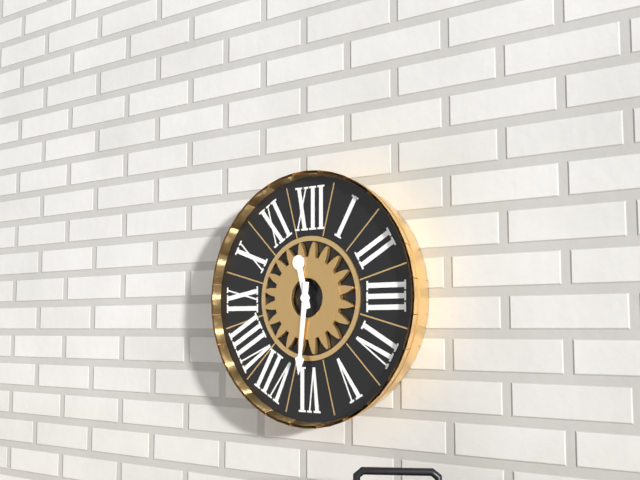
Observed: 11.31
